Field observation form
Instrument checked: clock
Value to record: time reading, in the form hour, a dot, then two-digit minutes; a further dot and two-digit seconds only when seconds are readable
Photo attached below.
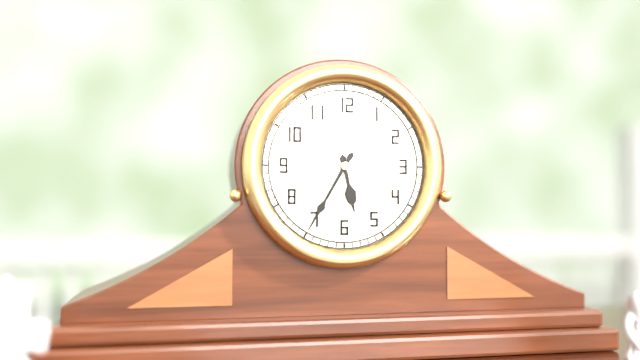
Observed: 5.35
